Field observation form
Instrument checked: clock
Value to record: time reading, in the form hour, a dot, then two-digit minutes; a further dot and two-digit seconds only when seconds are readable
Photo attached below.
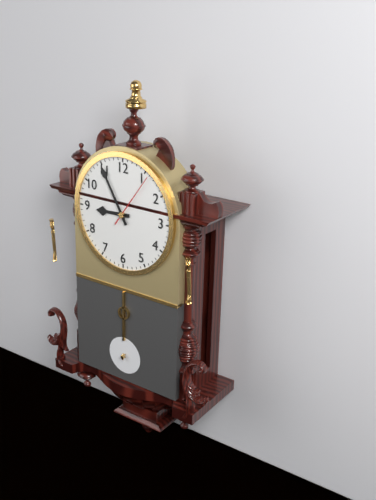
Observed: 8.55.06
